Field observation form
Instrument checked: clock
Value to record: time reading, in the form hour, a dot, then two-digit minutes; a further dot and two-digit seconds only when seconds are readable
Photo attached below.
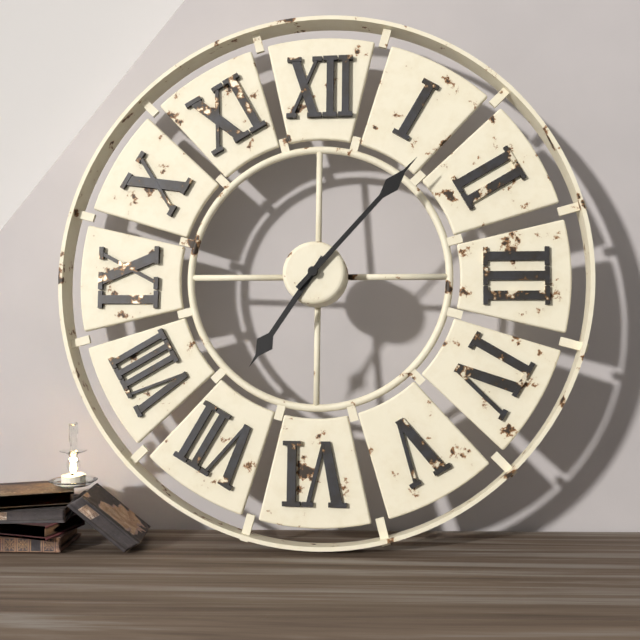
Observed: 7.07
